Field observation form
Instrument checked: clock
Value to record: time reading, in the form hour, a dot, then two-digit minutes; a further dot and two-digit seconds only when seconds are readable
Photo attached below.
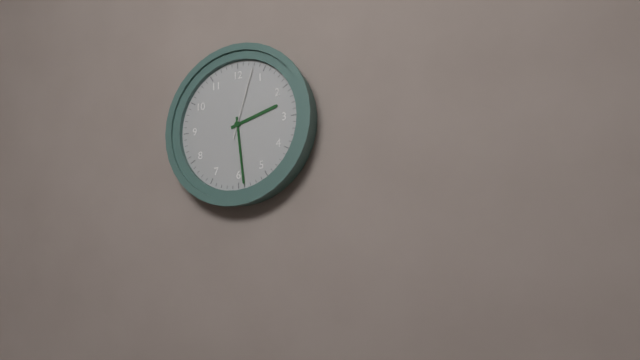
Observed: 2.29.03
